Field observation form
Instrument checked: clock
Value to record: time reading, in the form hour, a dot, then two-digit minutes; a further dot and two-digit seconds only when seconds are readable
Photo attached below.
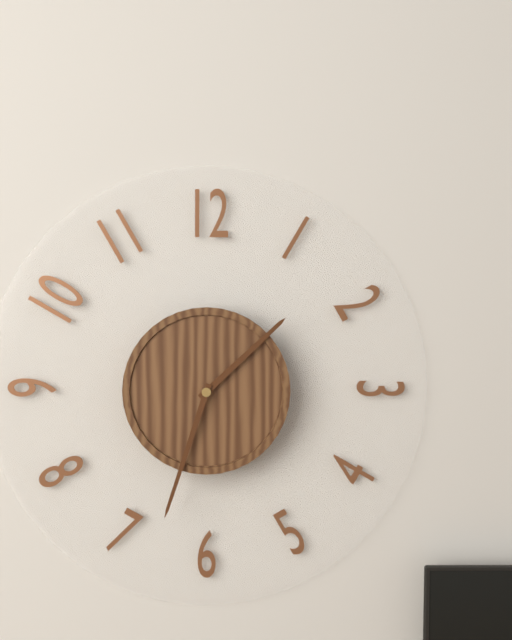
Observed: 1.33
